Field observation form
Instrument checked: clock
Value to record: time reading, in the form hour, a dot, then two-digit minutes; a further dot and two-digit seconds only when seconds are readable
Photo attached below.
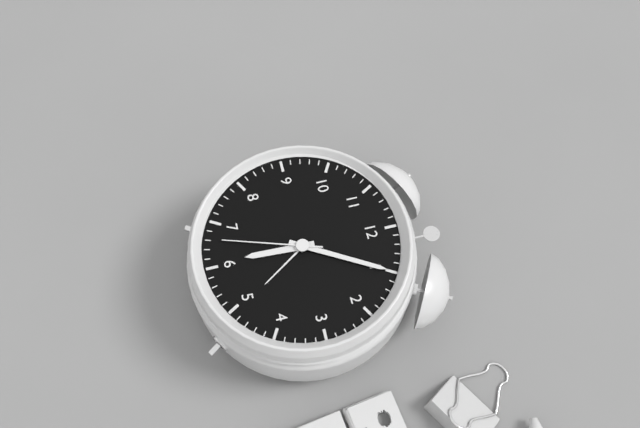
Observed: 6.05.33
